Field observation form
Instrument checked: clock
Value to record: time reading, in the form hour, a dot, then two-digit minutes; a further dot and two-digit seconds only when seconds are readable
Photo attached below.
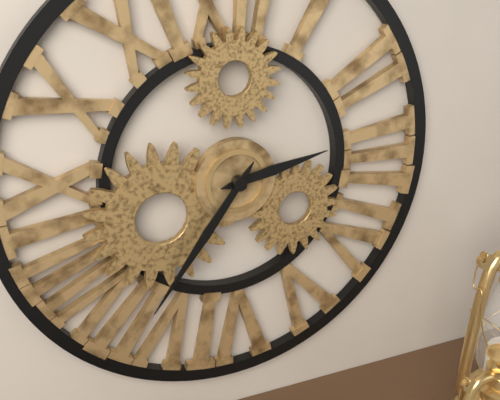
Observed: 2.36
